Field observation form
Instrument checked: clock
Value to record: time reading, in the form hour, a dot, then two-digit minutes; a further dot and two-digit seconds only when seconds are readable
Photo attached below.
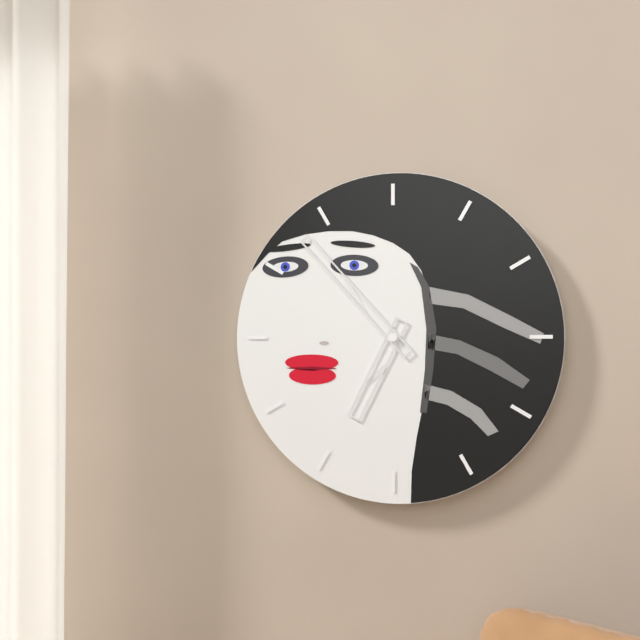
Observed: 6.53
